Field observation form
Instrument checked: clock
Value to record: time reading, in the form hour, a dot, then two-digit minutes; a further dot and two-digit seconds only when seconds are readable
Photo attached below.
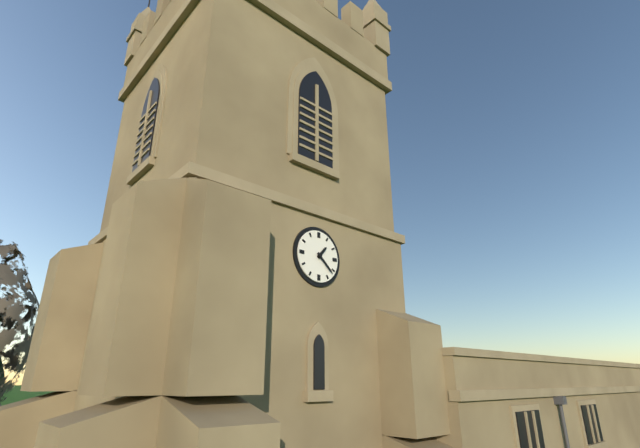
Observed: 1.22
